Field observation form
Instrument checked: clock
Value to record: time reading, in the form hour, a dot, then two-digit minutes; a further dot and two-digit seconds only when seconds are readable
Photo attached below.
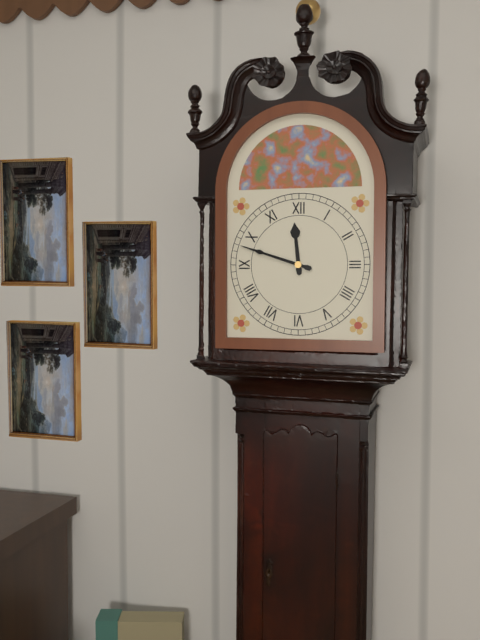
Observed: 11.48
